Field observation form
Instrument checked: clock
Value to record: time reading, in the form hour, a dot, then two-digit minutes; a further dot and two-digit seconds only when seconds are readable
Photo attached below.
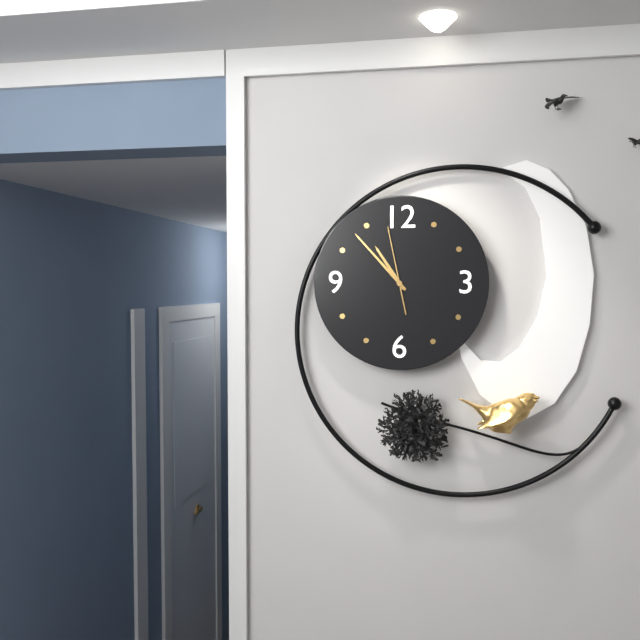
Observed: 10.53.58
